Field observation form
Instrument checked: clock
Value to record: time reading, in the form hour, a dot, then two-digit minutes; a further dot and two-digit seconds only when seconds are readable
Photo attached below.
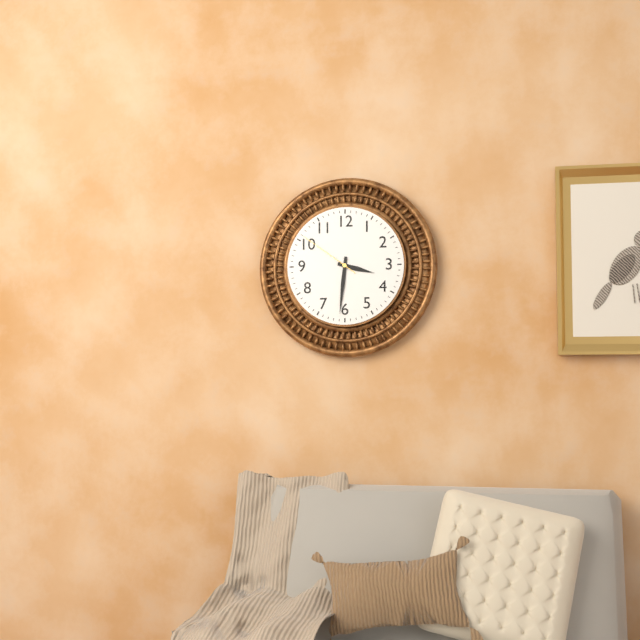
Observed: 3.31.51
